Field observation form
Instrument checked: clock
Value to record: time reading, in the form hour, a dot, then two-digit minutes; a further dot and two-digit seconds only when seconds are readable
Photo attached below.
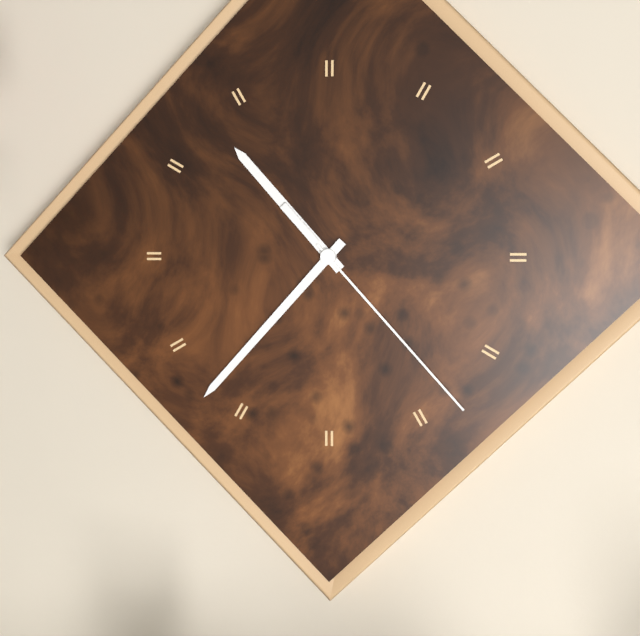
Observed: 10.37.23
